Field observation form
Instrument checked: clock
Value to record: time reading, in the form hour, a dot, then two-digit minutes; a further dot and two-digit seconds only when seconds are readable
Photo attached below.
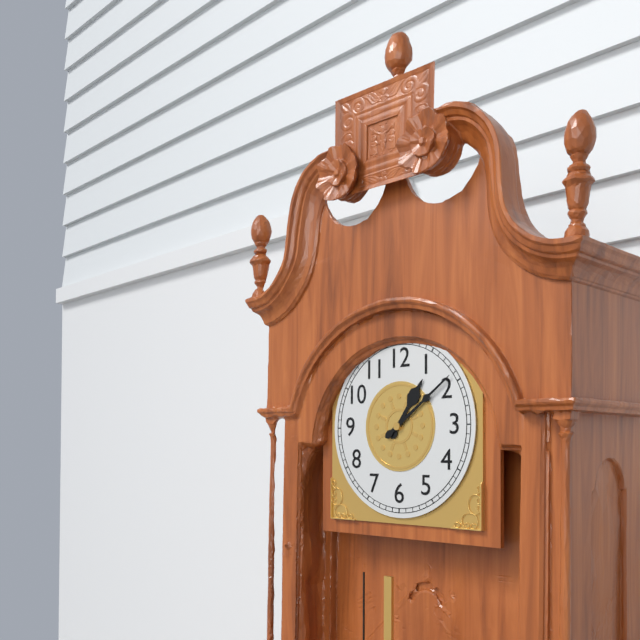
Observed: 1.09
